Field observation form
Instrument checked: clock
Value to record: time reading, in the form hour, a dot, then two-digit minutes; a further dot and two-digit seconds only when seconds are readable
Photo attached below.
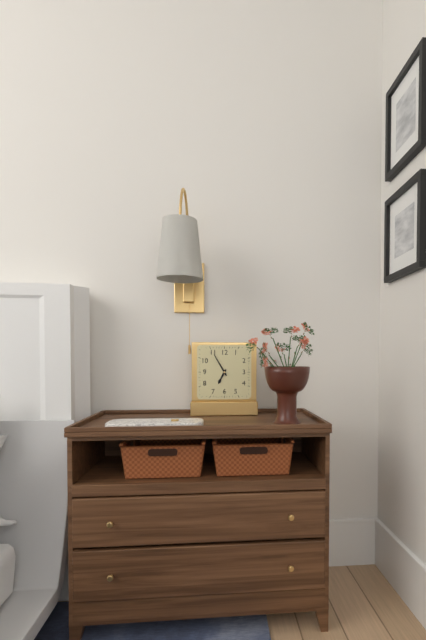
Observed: 6.55
